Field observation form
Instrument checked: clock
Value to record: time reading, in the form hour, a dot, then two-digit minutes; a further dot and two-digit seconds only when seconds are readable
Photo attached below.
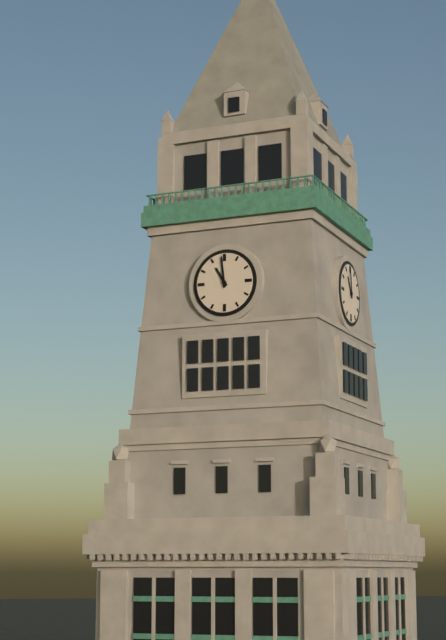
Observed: 10.59
